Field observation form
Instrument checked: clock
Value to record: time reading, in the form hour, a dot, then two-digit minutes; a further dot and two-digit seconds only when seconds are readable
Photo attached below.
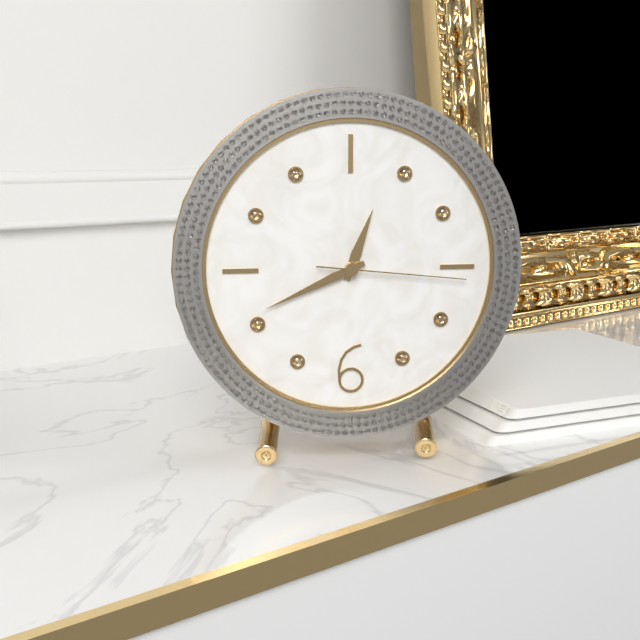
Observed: 12.41.16
